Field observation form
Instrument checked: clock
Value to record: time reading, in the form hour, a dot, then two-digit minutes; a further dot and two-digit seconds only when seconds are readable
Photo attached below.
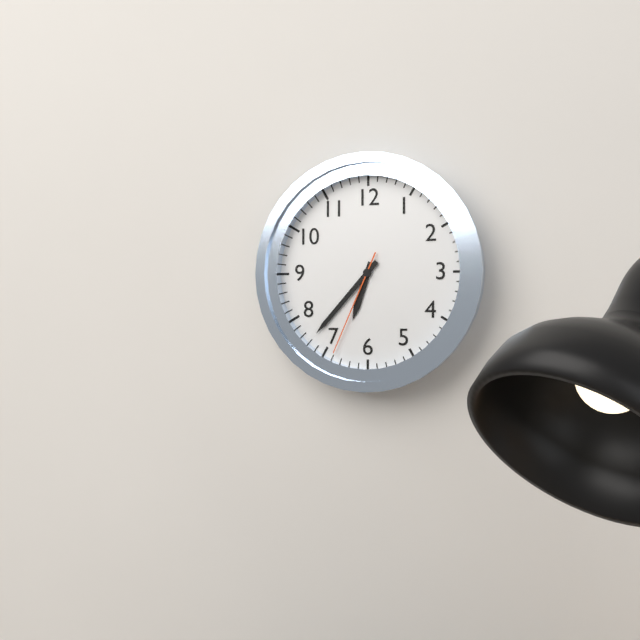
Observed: 6.37.34
